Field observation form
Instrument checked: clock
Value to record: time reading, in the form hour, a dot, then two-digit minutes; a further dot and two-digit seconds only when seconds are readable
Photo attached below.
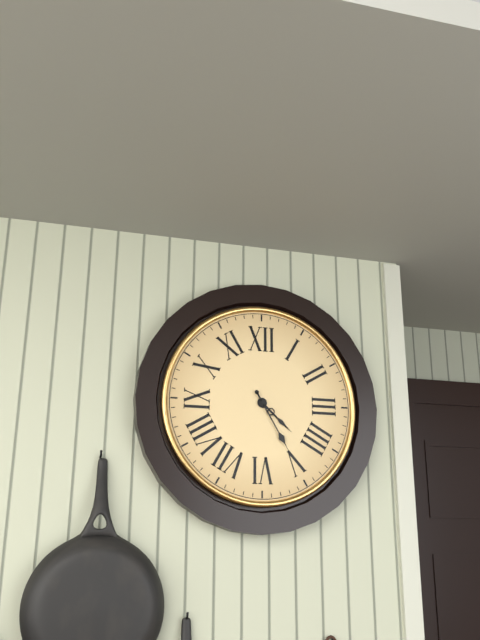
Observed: 4.25
